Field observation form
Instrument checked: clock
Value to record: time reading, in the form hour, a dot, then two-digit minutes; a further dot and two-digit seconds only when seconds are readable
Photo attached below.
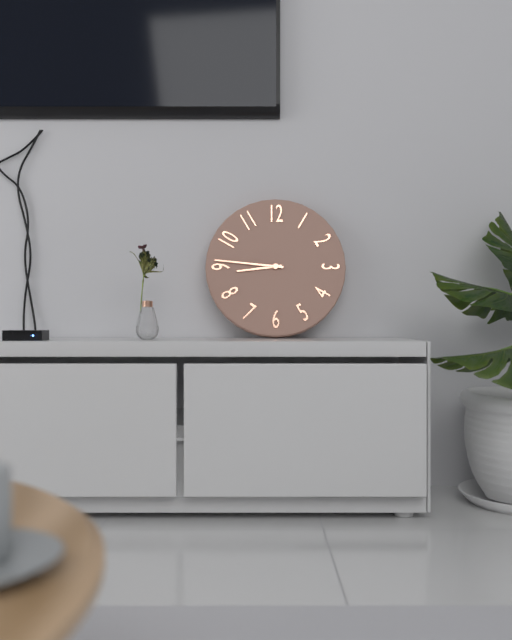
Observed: 8.46
